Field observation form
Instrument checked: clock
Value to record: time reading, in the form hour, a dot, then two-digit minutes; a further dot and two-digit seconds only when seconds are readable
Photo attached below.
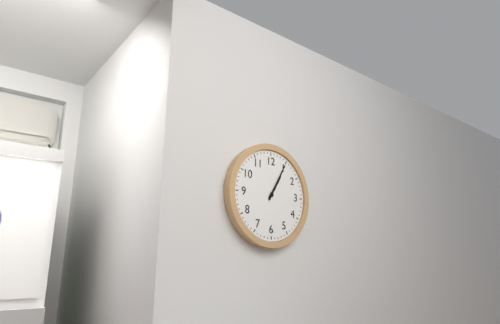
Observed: 1.05
